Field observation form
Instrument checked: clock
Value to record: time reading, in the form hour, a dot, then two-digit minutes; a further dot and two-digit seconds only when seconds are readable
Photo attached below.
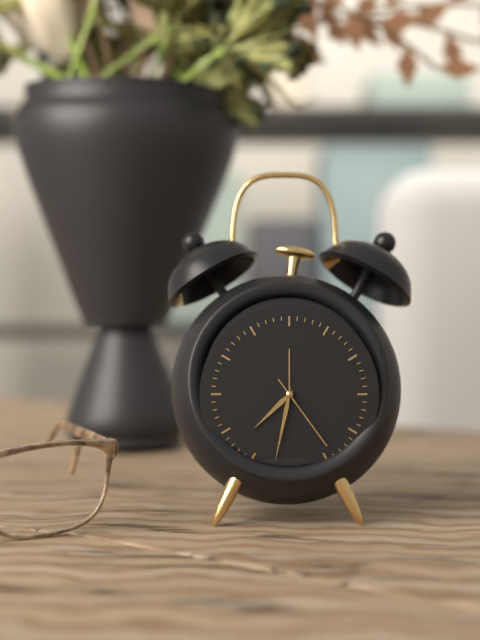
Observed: 7.32.24
